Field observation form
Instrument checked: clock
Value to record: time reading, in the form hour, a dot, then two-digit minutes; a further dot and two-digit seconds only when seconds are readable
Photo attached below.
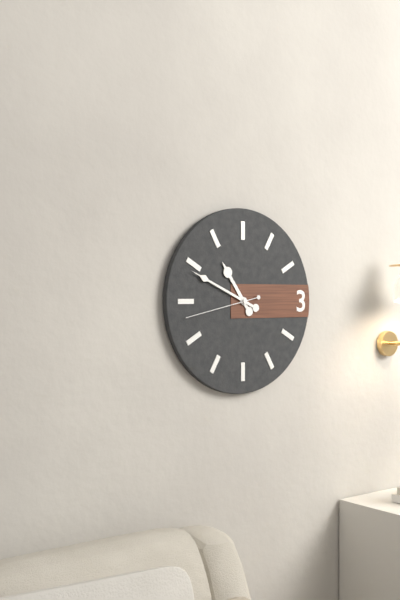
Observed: 10.49.43
